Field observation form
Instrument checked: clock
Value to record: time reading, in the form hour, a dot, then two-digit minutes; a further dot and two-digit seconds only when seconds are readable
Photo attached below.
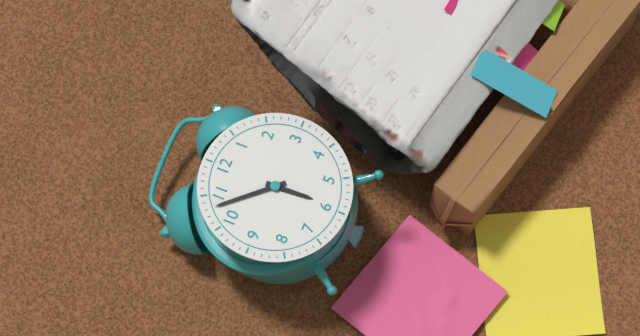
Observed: 5.53
